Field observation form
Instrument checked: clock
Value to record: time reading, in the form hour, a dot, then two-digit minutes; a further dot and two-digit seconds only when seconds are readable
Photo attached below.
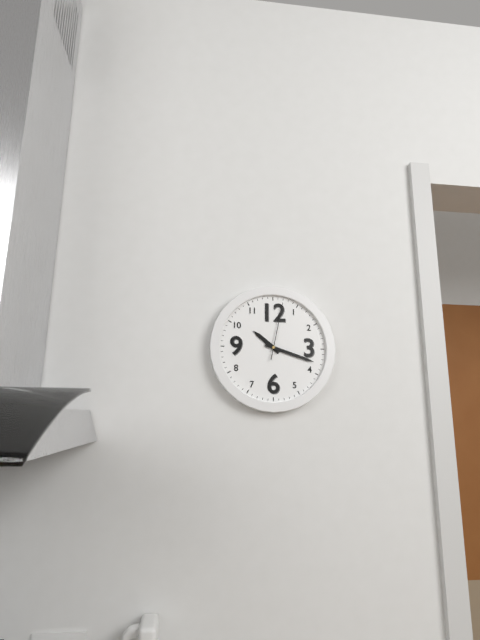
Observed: 10.18.02
